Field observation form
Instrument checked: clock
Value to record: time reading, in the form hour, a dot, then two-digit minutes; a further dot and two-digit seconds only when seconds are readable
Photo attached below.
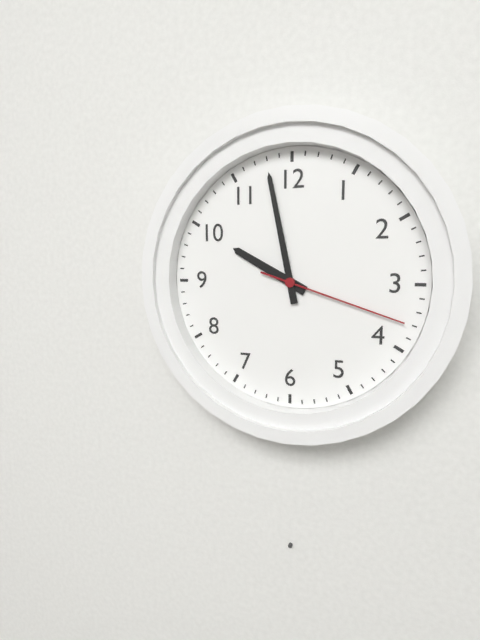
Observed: 9.58.18
